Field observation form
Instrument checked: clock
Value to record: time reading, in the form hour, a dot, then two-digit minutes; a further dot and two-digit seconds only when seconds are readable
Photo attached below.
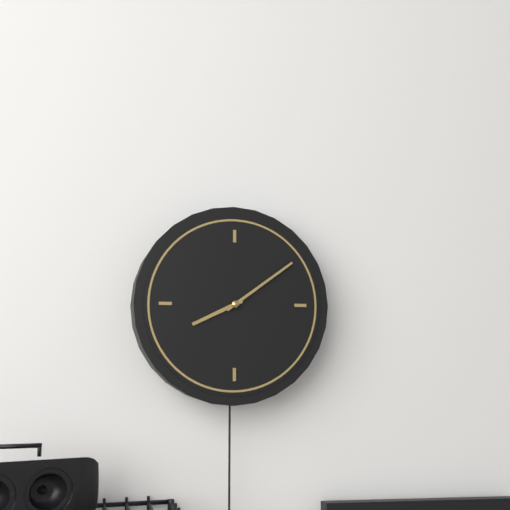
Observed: 8.09
